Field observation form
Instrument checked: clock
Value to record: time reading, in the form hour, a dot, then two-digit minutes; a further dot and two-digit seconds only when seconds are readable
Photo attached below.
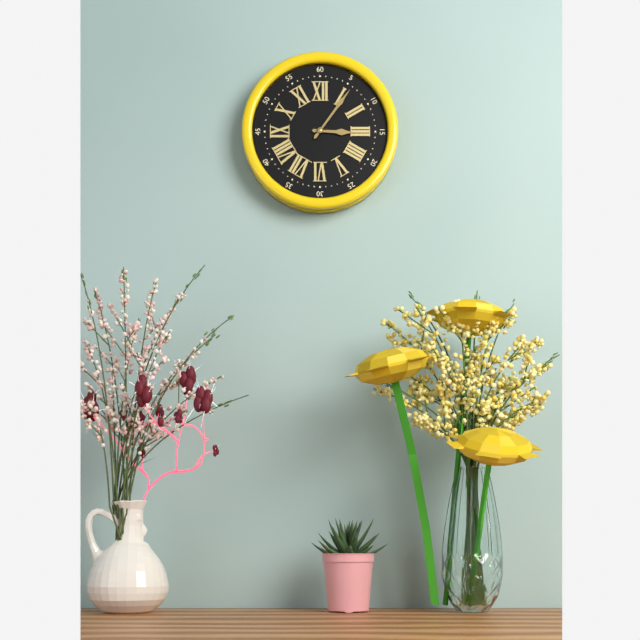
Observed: 3.06
